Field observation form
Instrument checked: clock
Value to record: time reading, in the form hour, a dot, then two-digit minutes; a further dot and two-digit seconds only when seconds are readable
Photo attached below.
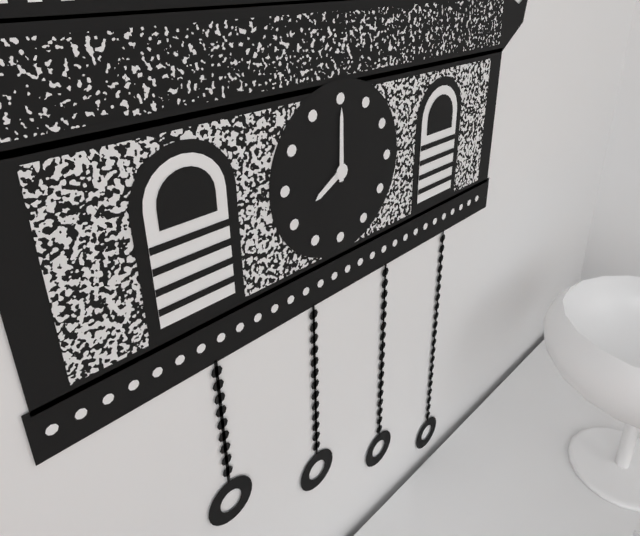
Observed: 8.00
